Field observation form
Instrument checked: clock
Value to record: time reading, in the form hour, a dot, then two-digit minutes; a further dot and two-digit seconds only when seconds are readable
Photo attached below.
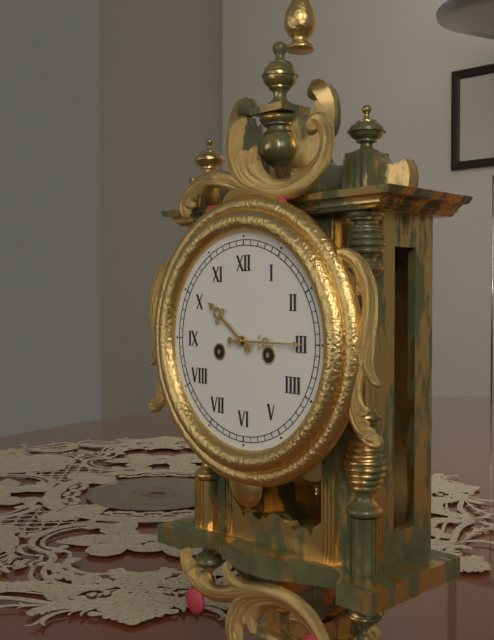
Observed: 10.15
